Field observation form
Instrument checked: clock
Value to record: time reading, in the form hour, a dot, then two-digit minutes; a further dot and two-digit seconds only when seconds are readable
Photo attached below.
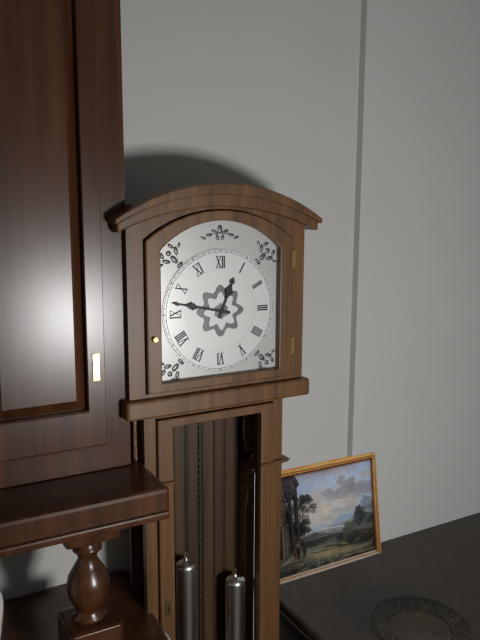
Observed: 12.47
